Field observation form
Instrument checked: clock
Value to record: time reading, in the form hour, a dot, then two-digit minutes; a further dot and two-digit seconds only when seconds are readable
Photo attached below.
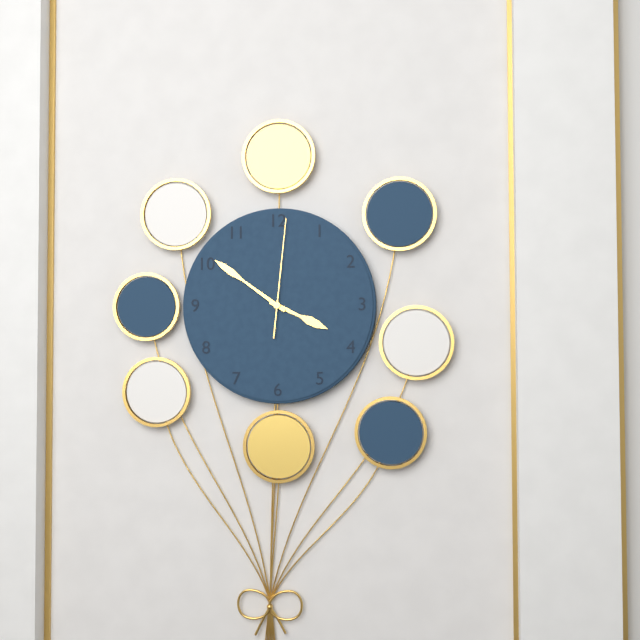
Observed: 3.51.01
